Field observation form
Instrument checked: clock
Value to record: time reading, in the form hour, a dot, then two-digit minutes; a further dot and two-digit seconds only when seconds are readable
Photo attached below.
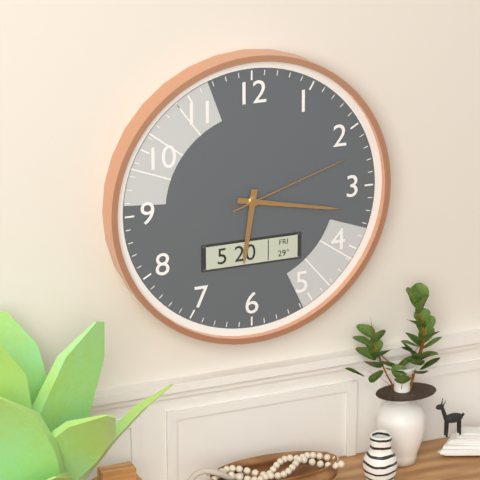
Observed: 6.17.12
